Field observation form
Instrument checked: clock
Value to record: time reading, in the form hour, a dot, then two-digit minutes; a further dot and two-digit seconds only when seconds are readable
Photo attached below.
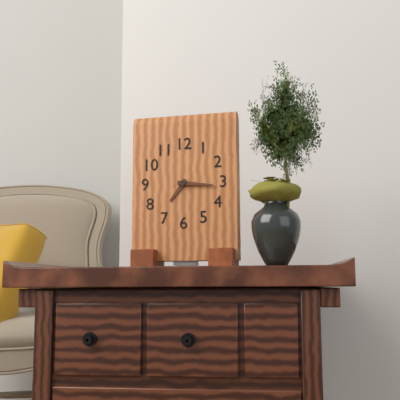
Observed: 7.16
